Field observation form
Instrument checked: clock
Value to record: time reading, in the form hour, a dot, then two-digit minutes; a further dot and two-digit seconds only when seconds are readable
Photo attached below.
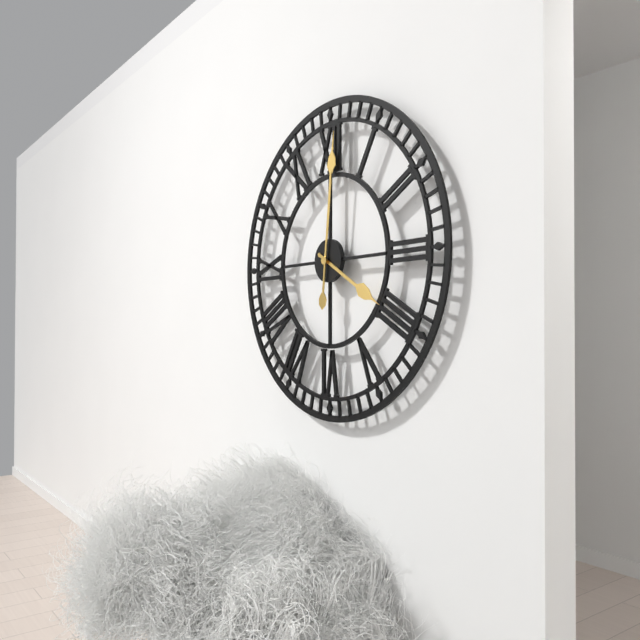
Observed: 4.01
